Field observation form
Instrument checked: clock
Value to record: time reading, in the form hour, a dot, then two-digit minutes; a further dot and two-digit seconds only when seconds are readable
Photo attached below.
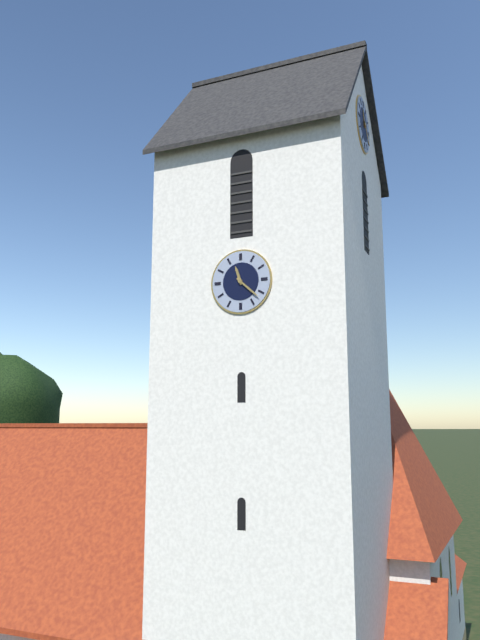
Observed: 11.22
